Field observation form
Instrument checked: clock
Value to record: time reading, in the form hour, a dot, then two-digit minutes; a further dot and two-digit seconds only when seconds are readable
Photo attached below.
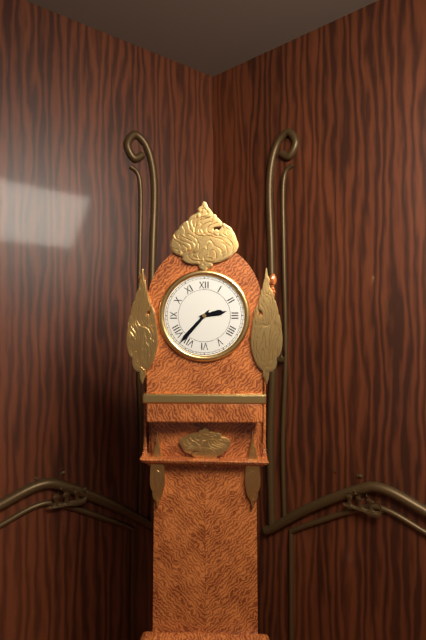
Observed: 2.37
